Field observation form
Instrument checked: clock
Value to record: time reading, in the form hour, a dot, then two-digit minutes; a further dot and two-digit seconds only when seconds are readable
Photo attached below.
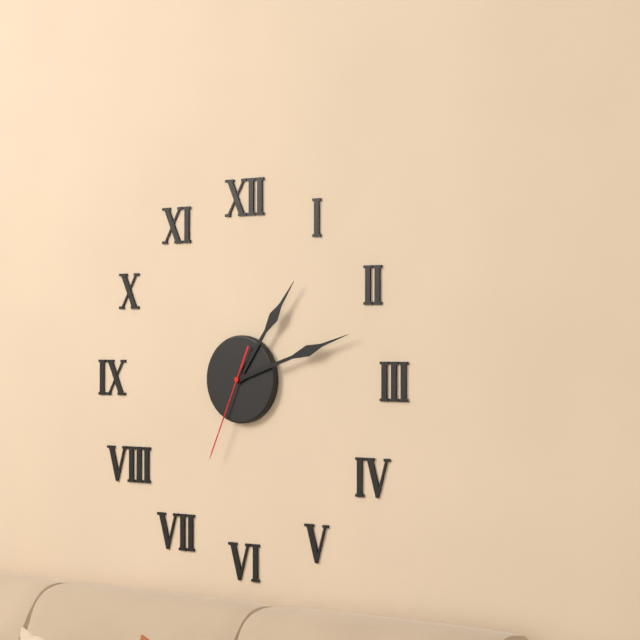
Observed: 1.12.34
